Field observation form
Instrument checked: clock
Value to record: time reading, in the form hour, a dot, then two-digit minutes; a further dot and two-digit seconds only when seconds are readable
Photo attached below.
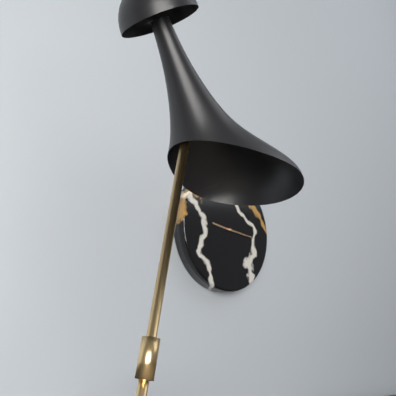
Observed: 9.16
